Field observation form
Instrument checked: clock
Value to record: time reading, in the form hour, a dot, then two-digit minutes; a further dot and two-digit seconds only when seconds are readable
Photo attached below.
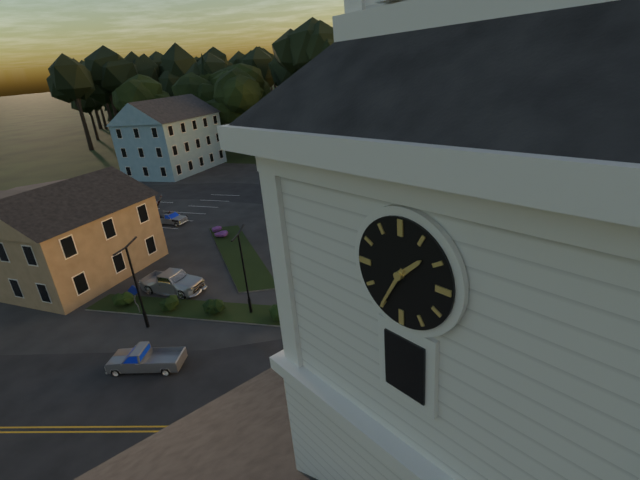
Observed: 1.35
